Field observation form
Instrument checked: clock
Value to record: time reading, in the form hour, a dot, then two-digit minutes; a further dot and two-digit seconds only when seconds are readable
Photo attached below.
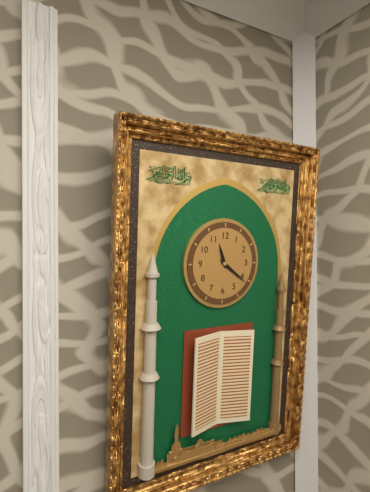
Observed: 11.21
